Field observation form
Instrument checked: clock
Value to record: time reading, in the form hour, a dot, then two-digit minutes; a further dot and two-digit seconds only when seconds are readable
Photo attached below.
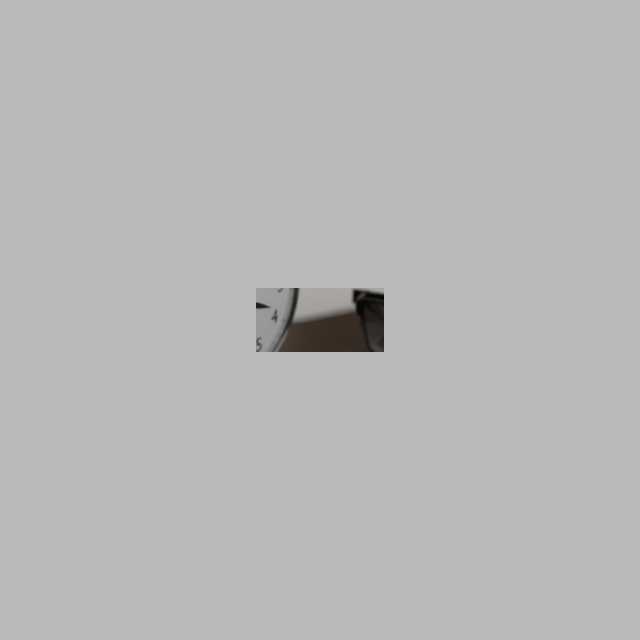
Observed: 3.42.00
